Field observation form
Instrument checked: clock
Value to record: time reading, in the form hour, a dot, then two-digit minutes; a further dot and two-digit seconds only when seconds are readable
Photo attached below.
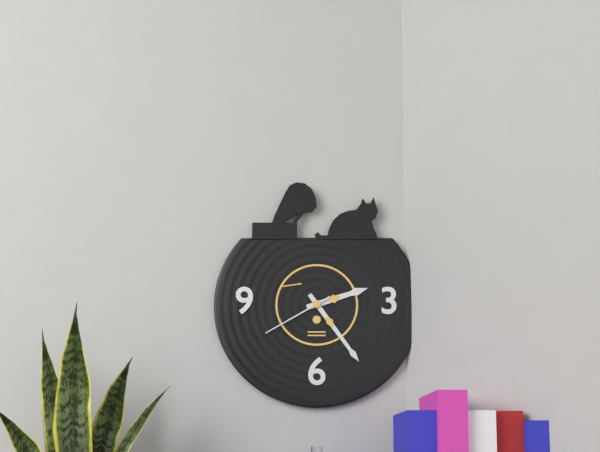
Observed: 2.24.40
